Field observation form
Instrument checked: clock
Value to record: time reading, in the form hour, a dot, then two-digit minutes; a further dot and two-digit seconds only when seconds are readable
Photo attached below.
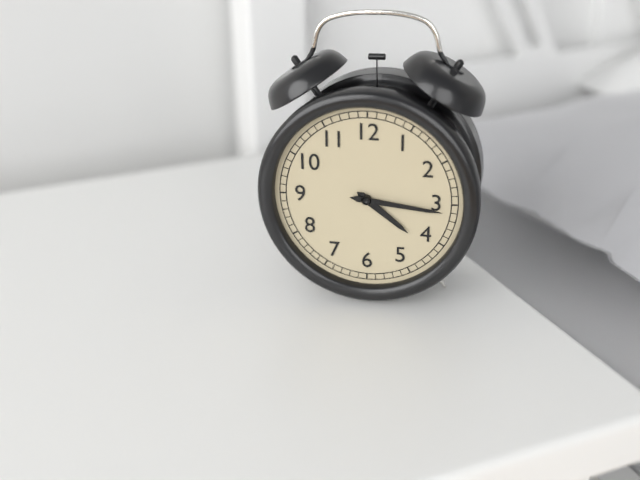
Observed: 4.16
